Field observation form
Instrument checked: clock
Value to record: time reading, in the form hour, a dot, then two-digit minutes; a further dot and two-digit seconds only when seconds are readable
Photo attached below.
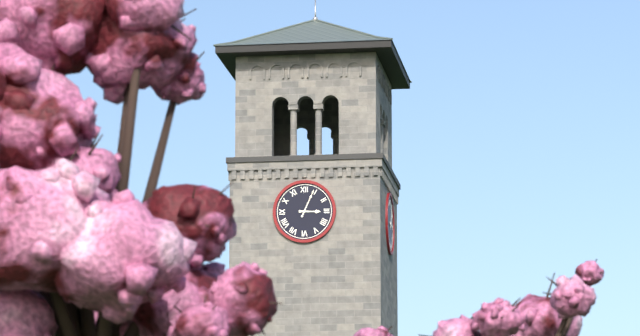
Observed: 3.04
